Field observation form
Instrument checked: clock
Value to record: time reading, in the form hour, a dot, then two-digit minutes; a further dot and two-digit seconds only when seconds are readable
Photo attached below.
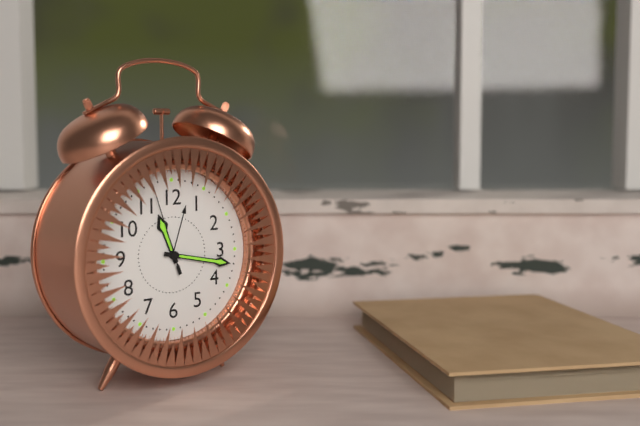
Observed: 11.17.57
